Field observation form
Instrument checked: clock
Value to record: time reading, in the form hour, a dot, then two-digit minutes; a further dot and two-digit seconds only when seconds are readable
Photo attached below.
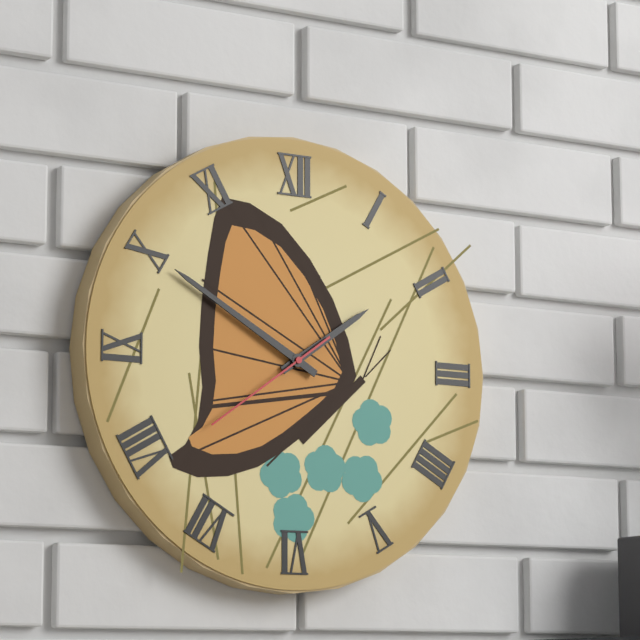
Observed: 1.50.39
